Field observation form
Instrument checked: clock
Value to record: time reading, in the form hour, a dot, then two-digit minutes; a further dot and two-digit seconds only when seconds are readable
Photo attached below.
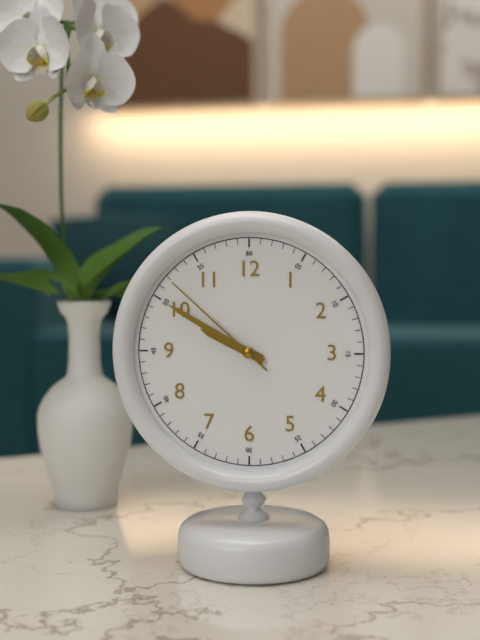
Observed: 9.50.52
